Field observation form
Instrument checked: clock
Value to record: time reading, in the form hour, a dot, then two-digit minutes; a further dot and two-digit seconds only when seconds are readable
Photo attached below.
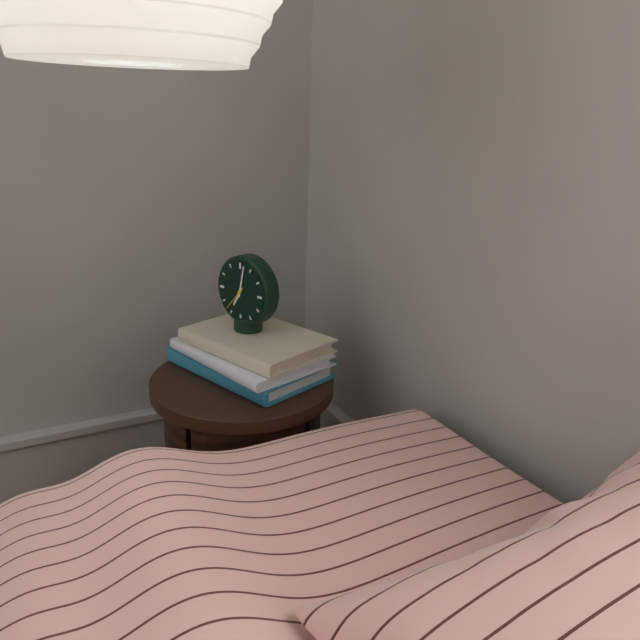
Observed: 7.02
